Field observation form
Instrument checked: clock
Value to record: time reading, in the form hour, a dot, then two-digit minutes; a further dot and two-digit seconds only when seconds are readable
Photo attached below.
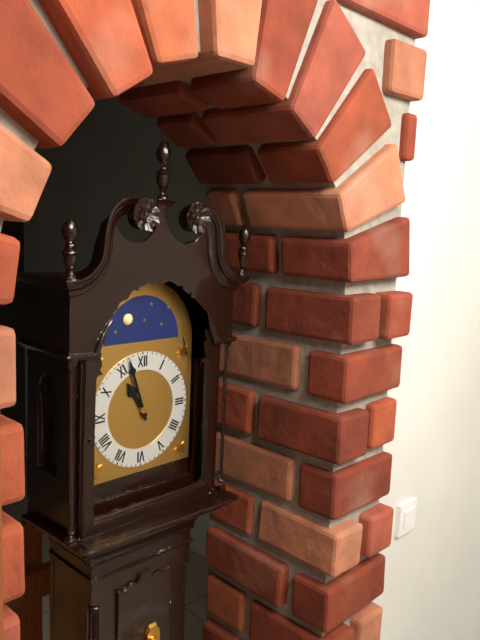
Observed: 10.57
